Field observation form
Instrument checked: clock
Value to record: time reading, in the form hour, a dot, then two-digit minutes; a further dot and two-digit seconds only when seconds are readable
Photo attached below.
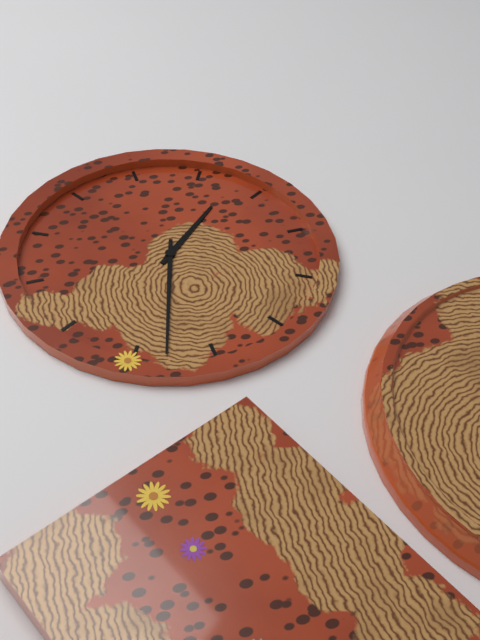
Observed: 1.33
